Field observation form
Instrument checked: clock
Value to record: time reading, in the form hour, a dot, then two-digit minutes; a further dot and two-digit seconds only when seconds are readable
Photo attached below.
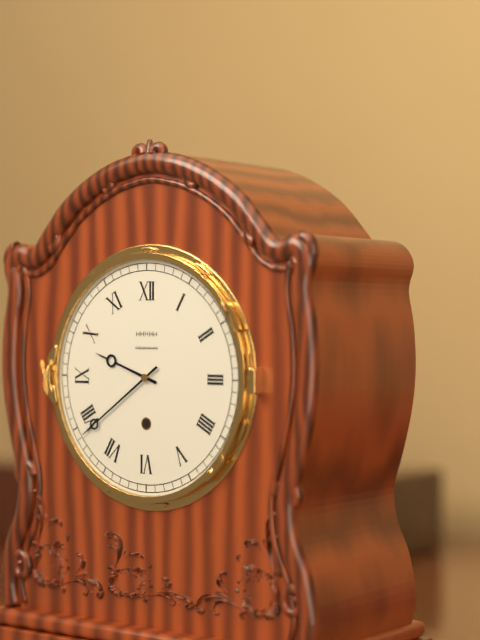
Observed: 9.39
